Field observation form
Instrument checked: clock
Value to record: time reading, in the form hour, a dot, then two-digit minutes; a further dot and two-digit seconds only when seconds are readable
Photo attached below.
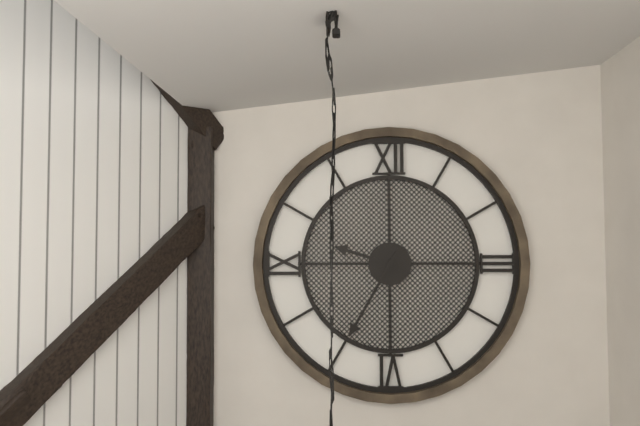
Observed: 9.35
